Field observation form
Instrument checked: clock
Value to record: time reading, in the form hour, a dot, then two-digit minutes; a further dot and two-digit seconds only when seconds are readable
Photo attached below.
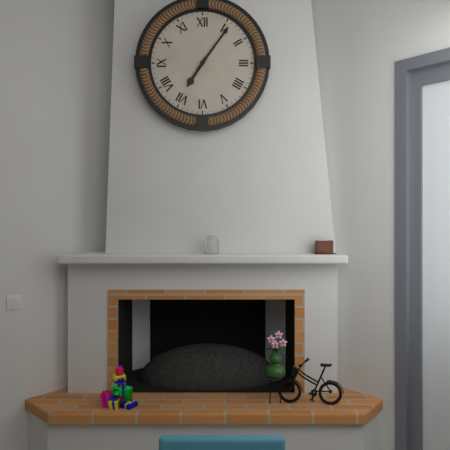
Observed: 7.06
